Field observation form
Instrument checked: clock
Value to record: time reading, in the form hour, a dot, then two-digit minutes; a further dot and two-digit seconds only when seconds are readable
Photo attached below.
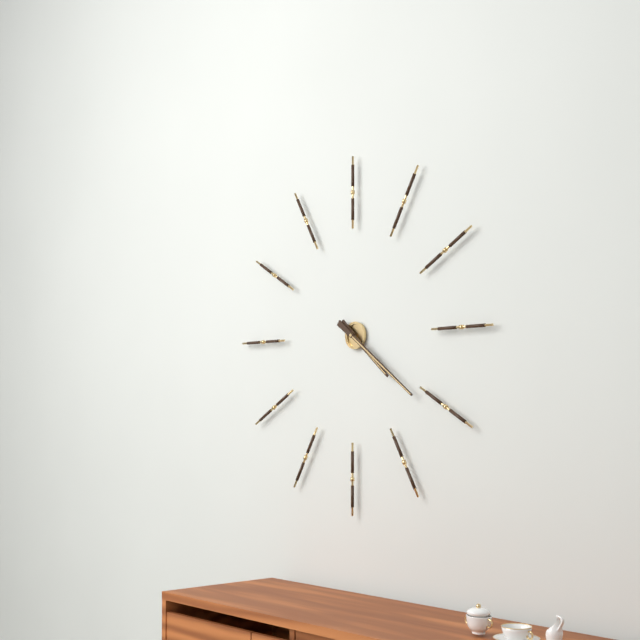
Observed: 4.21
